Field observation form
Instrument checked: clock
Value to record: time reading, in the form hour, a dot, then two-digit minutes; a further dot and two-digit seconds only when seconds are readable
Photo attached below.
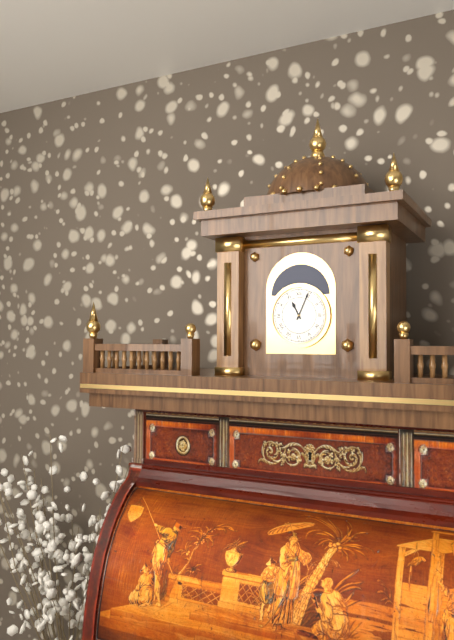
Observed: 11.04
